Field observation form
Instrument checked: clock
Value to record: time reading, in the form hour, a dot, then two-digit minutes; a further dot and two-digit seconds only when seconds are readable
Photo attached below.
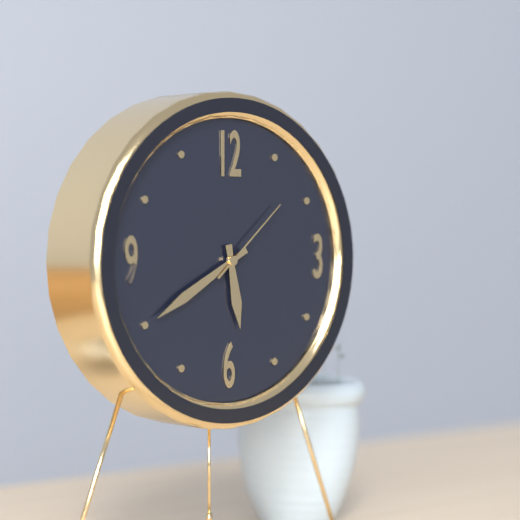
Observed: 5.40.08
